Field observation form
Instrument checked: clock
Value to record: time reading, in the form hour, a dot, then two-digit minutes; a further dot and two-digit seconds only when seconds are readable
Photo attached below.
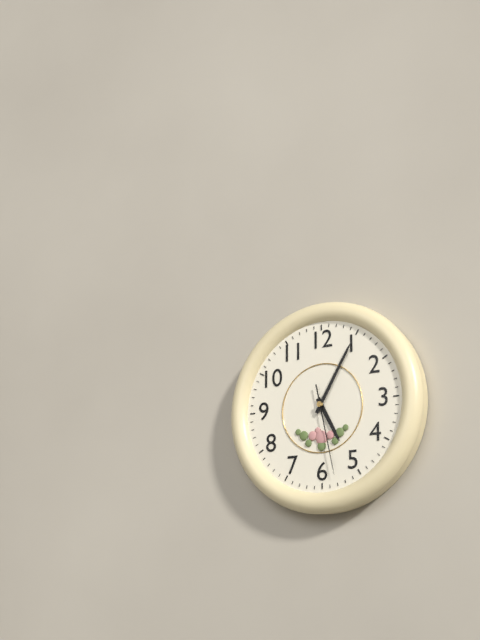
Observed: 5.05.28
